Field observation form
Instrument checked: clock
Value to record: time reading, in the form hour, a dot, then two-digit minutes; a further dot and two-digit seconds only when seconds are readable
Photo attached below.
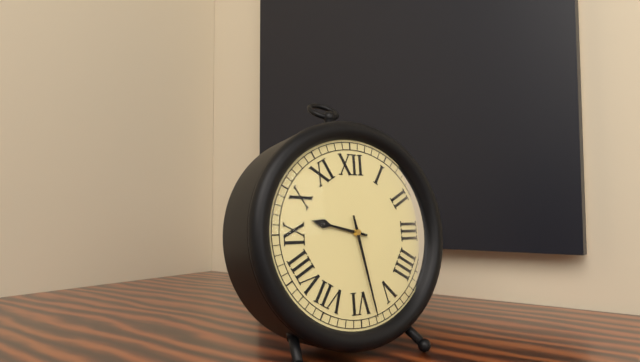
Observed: 9.28
